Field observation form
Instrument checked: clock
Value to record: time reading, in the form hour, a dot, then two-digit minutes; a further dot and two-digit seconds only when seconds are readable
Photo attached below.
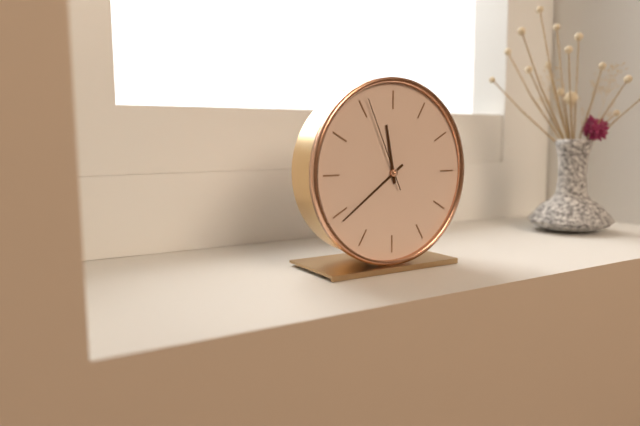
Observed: 11.39.56
